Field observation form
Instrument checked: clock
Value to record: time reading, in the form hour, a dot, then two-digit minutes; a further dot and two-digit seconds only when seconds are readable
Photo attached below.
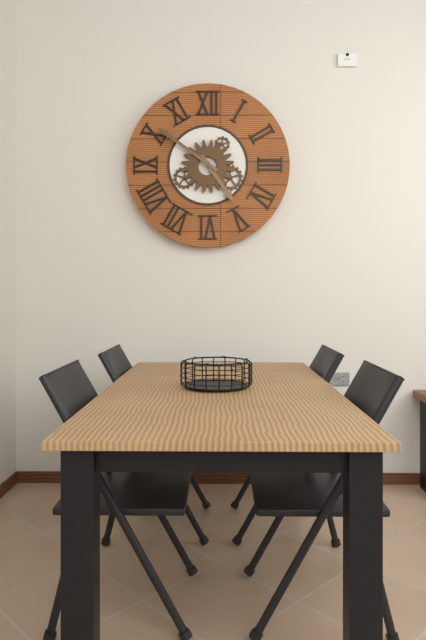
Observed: 4.51
